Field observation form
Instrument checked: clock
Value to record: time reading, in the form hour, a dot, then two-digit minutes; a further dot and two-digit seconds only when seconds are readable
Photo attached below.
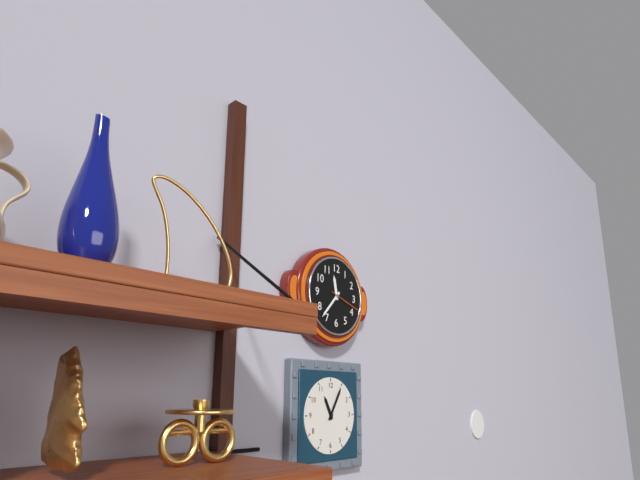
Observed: 11.37
